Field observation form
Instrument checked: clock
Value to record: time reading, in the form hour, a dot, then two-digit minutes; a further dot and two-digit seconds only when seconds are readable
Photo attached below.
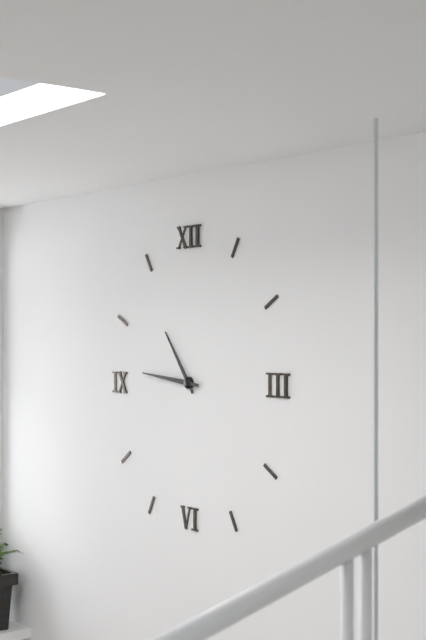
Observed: 10.46
